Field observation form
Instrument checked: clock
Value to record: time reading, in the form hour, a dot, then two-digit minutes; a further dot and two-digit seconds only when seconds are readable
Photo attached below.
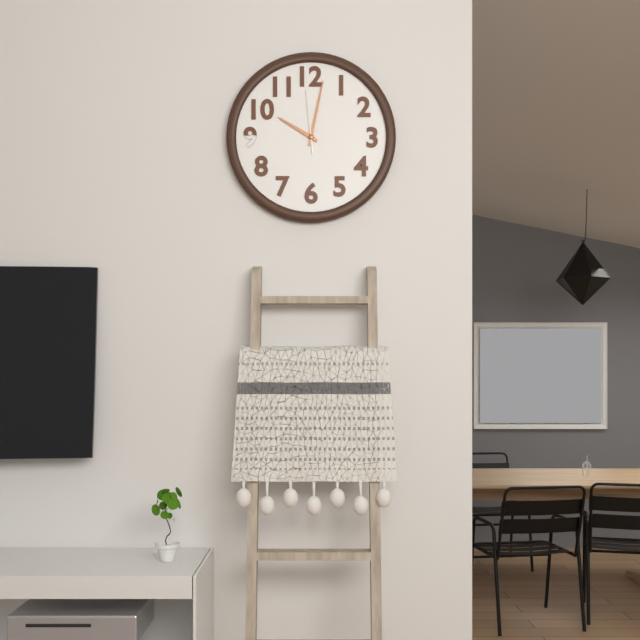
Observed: 10.02.59
